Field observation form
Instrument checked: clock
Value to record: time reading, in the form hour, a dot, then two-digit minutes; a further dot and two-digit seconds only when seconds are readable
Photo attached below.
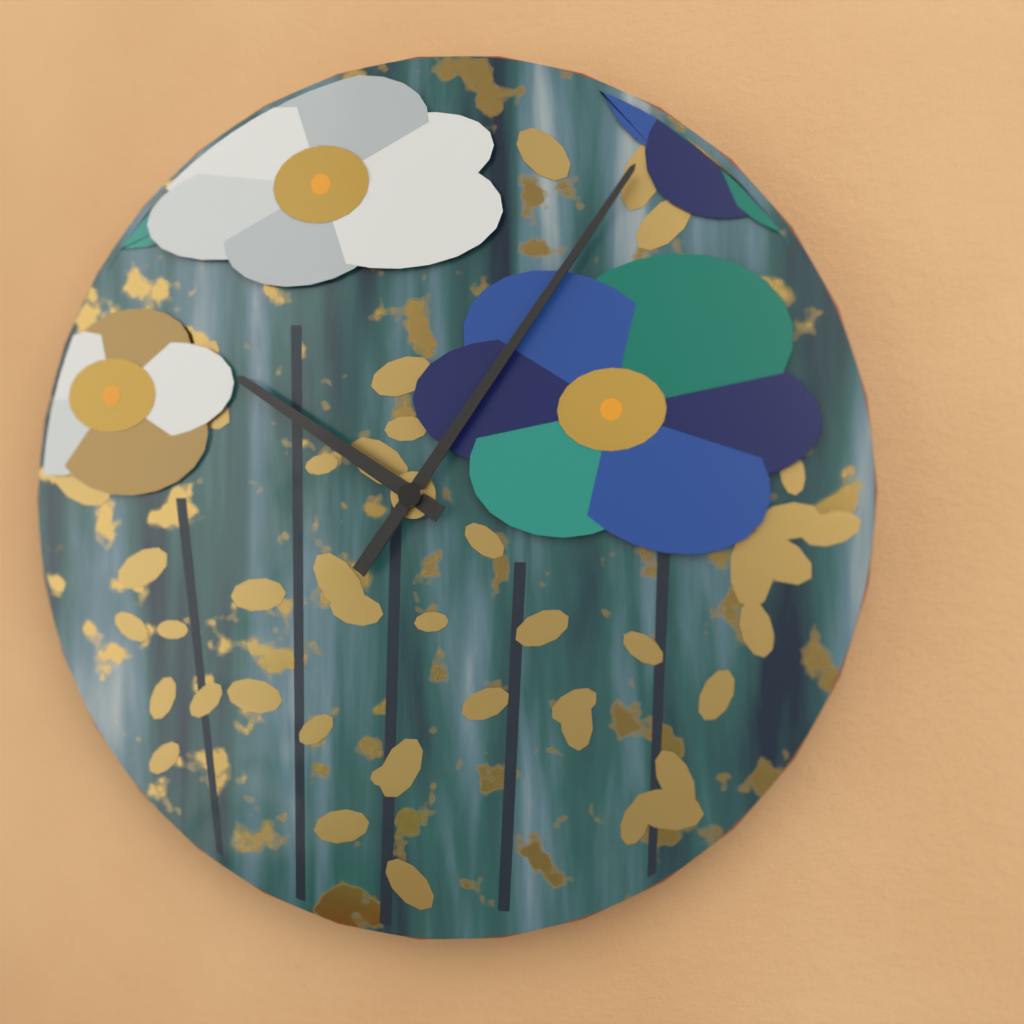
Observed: 10.06
